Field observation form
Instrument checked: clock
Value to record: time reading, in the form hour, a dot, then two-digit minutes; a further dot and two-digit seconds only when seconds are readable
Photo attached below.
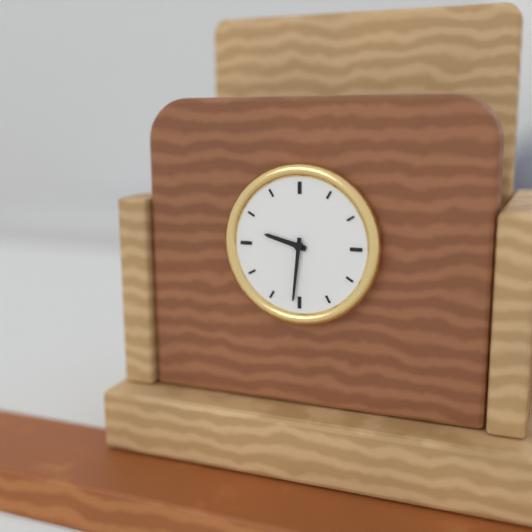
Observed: 9.31
